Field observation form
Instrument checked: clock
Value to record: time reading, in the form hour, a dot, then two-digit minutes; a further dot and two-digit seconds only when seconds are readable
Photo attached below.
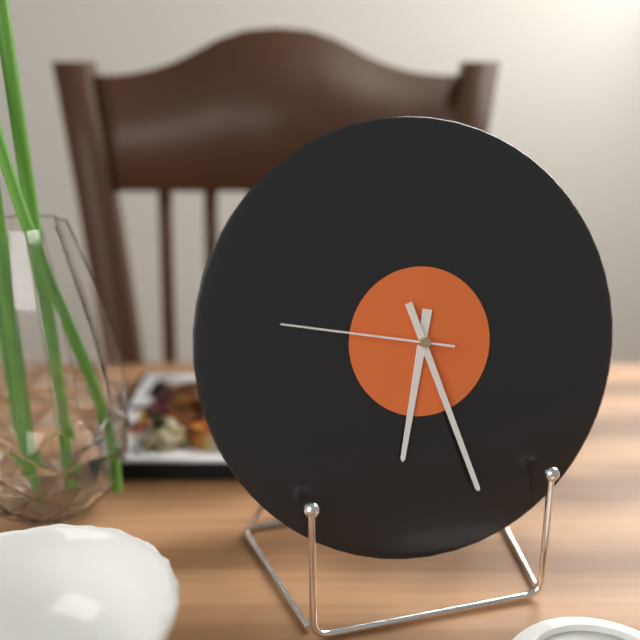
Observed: 6.27.47
